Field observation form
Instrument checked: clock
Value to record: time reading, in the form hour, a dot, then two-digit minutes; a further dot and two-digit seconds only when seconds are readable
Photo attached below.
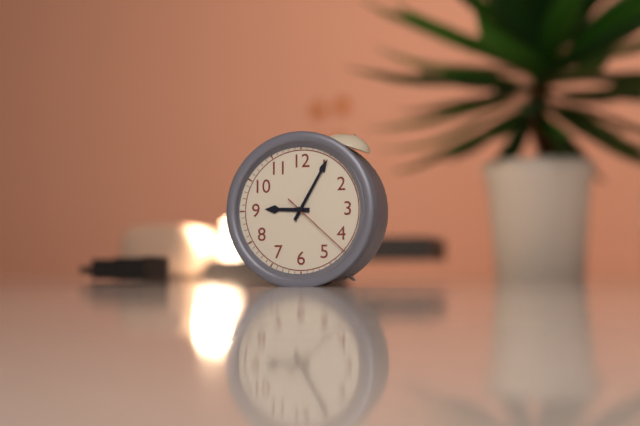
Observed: 9.05.22
